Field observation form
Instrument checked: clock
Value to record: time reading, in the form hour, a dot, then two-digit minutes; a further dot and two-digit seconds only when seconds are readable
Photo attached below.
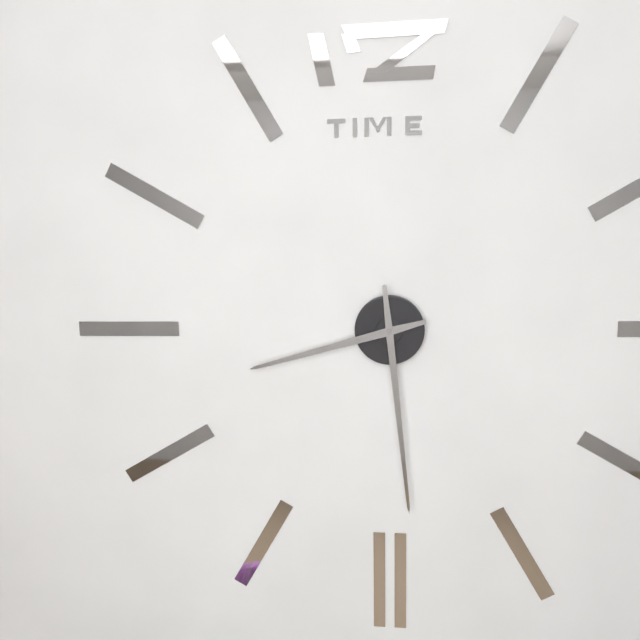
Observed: 8.29
